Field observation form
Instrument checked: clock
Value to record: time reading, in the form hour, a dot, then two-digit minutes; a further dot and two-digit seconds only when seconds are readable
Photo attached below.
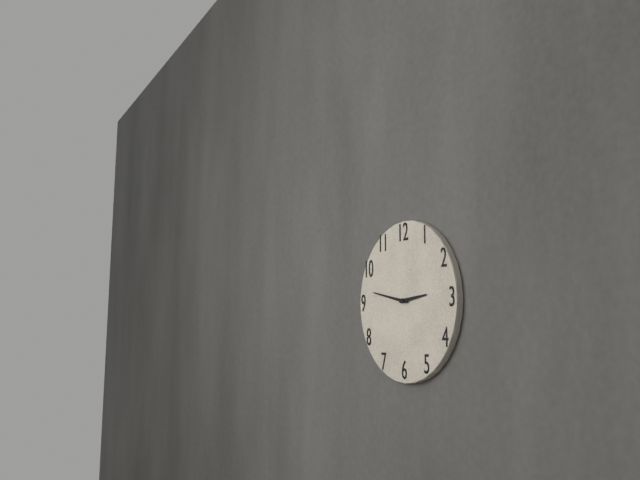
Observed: 2.47
